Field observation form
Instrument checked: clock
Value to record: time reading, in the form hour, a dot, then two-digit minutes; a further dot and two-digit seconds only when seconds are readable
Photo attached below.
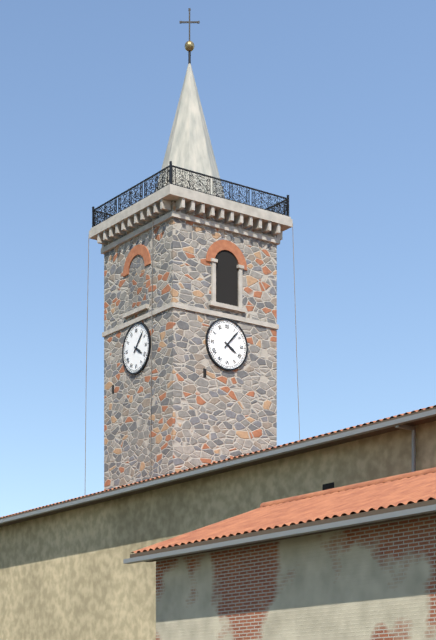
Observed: 4.07
